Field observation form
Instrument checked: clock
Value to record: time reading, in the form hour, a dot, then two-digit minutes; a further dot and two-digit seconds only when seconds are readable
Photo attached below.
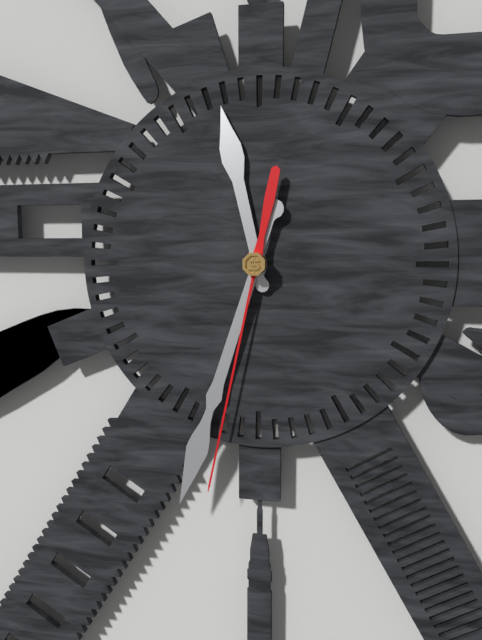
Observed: 11.33.32
